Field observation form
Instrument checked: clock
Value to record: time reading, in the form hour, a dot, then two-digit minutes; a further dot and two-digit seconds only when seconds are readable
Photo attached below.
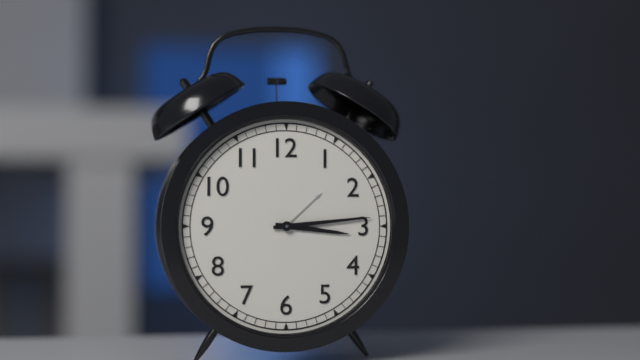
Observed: 3.14
